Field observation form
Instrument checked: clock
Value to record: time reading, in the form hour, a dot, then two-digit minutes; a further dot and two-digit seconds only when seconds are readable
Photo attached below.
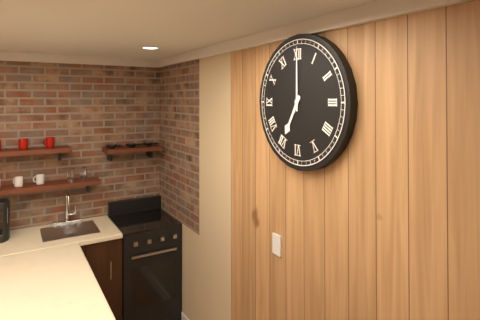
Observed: 7.00
